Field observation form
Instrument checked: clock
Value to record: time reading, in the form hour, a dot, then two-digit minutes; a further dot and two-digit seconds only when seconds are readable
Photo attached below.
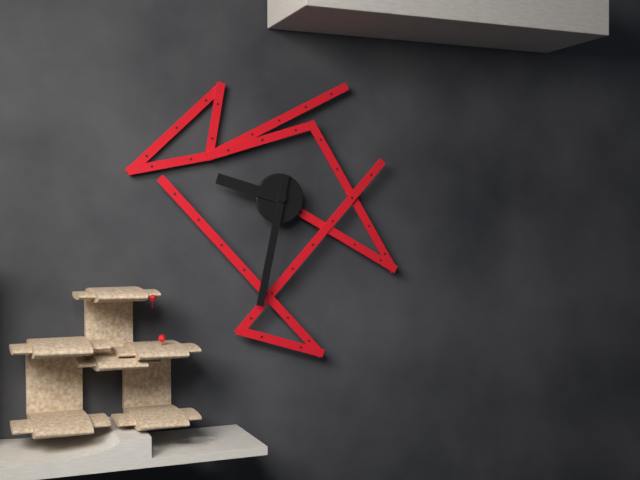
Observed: 9.32
